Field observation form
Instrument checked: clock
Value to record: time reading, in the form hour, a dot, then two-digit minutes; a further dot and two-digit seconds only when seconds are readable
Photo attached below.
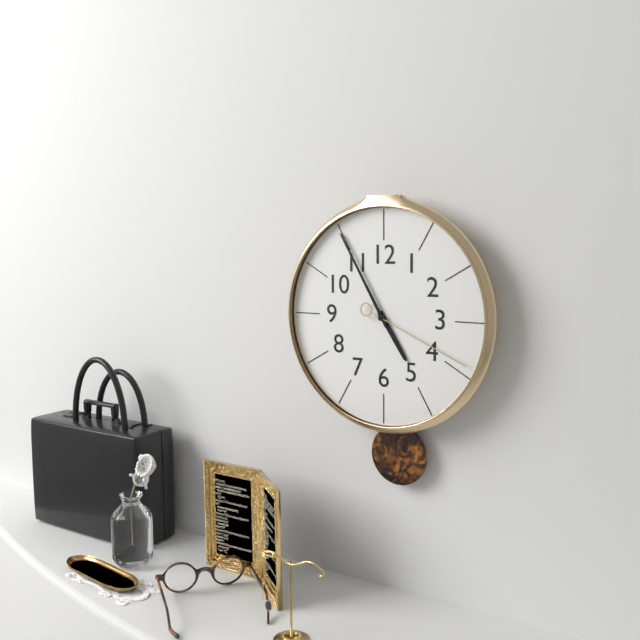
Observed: 4.55.19
